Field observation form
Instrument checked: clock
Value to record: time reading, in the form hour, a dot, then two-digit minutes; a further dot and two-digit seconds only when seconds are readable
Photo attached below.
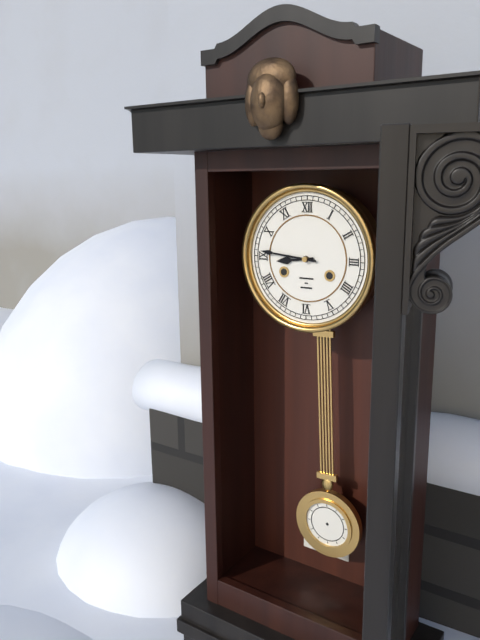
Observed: 8.46
